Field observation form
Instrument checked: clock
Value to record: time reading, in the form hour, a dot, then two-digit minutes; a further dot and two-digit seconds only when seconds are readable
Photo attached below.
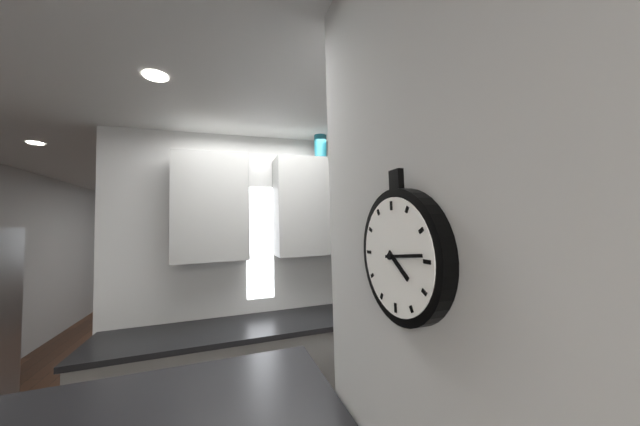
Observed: 4.14
